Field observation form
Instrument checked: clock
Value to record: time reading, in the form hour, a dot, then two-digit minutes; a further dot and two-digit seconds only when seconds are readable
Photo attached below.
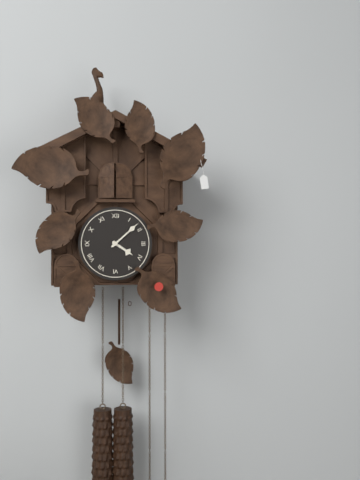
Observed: 4.08
